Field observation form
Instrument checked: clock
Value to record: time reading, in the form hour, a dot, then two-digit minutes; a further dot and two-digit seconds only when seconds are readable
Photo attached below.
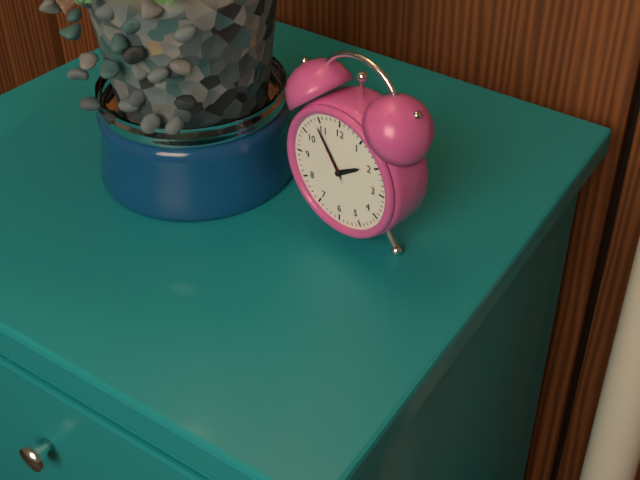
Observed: 1.54.54
